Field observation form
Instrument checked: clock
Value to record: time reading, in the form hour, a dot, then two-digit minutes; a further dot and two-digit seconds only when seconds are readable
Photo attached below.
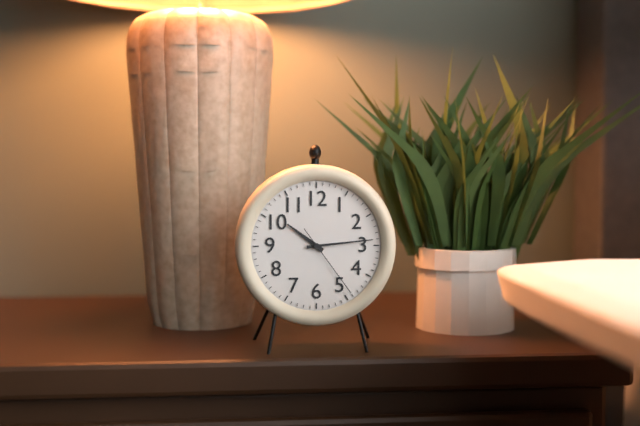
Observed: 10.14.24
